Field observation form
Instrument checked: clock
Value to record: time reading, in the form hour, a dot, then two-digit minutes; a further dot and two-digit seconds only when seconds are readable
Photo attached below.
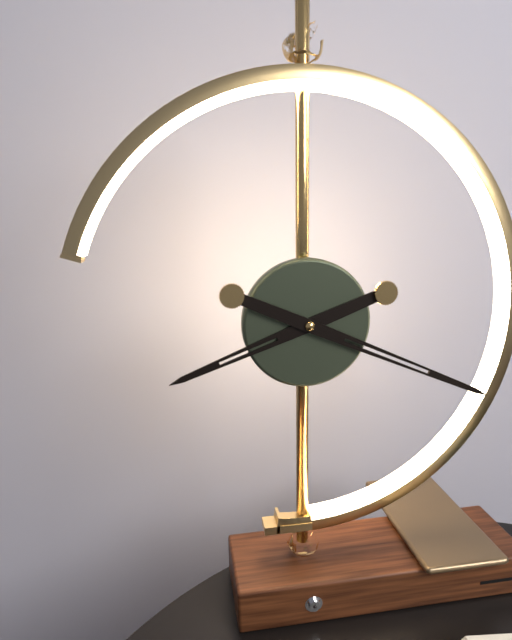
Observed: 8.19
